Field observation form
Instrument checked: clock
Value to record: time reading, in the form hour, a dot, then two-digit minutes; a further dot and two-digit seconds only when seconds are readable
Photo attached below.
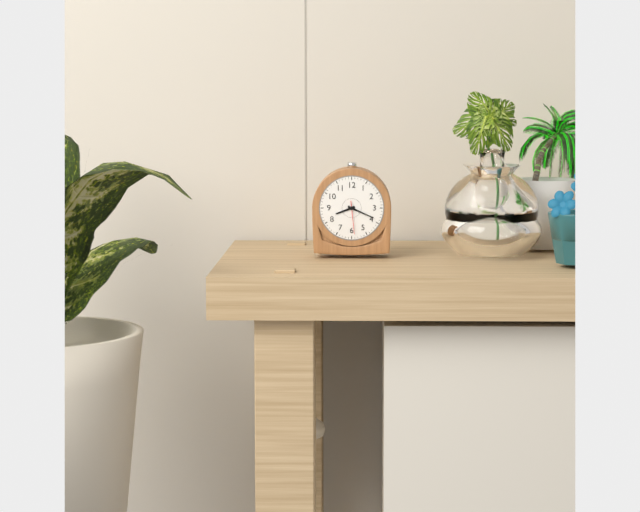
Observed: 8.19
